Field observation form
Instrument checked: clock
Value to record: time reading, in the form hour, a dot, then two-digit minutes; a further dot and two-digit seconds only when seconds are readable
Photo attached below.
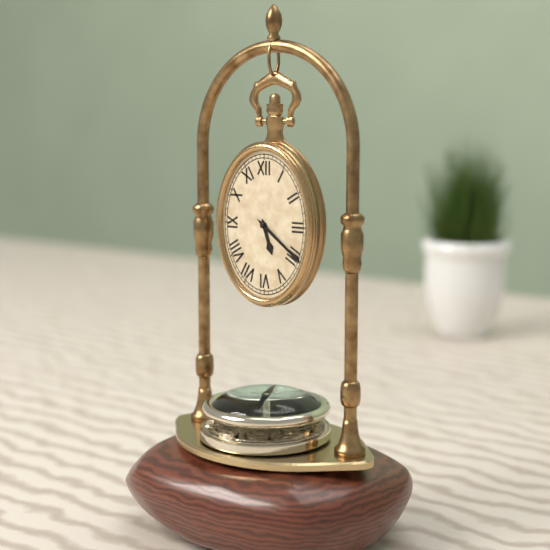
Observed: 5.21
